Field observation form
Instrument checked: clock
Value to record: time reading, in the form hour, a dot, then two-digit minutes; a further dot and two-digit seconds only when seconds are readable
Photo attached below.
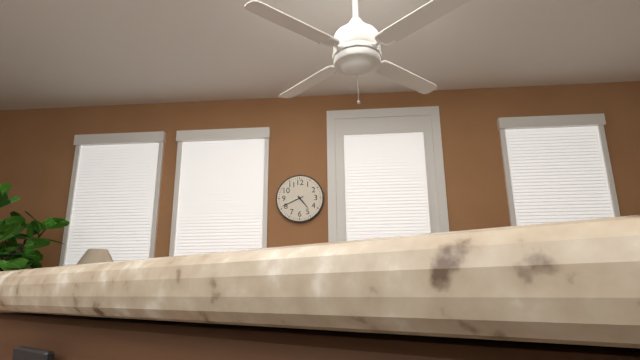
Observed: 4.41
